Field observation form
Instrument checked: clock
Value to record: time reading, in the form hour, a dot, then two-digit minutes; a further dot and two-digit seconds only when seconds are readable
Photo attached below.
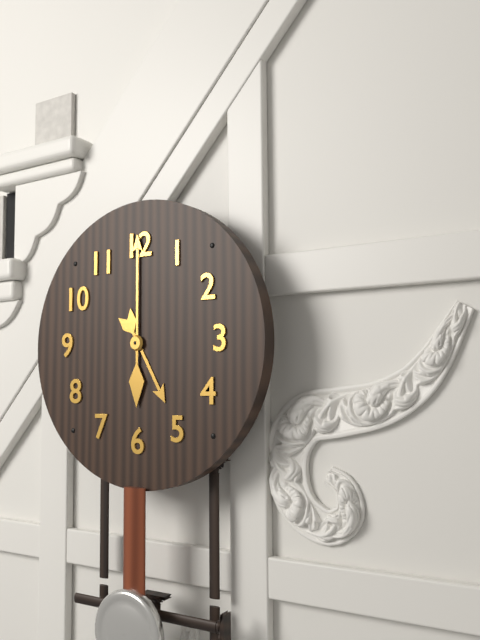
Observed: 5.00
